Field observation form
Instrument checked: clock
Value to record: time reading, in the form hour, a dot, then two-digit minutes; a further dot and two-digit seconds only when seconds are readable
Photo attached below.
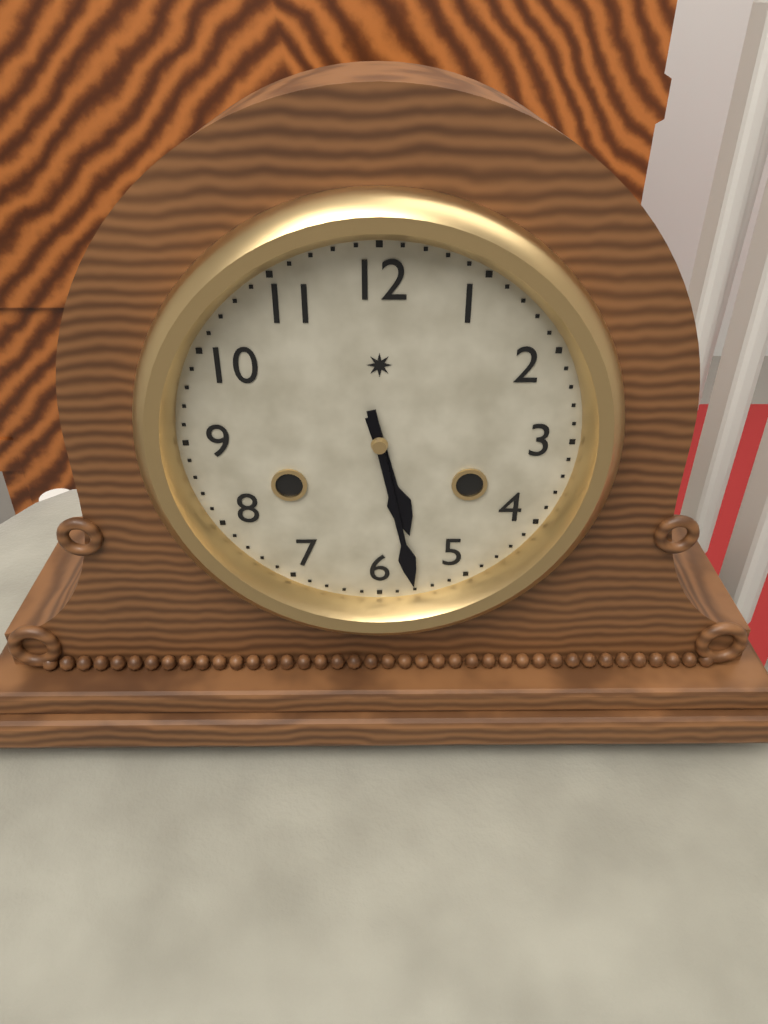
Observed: 5.28
